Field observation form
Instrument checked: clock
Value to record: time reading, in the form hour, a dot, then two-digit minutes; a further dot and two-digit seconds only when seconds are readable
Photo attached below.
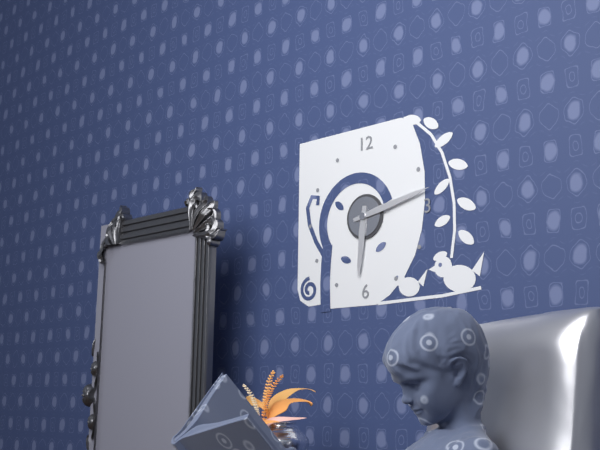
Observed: 6.13
